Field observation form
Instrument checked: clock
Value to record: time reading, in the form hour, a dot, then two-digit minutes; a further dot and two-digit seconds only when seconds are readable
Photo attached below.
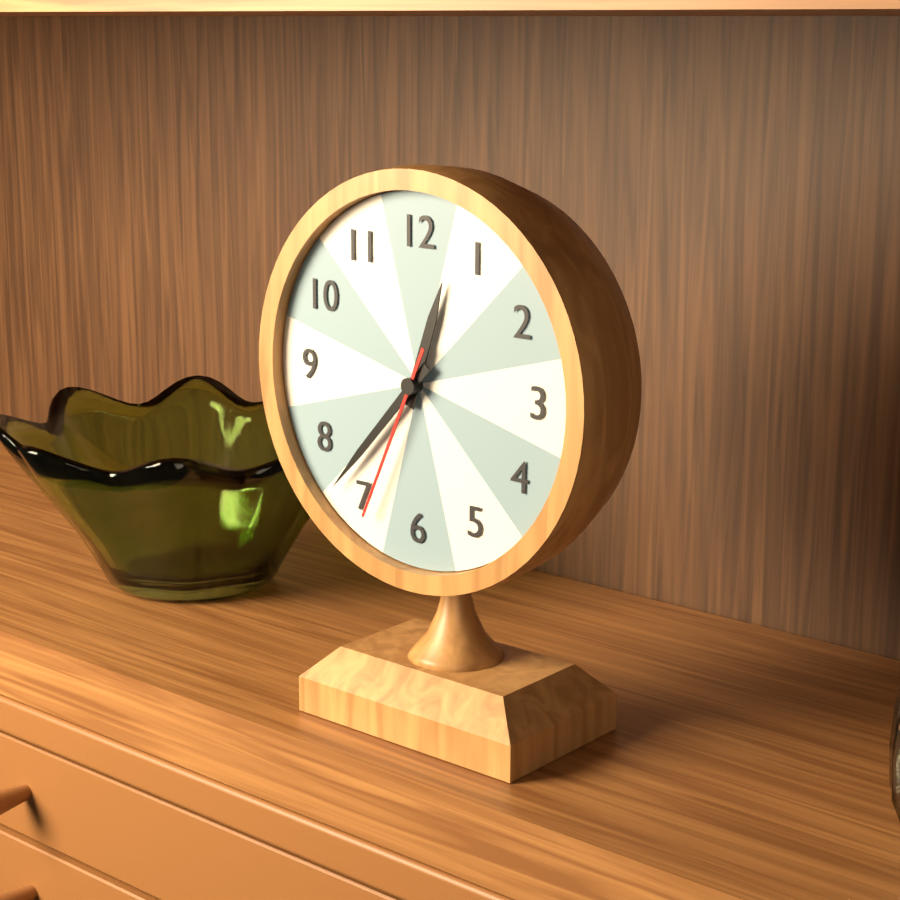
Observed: 12.37.34
